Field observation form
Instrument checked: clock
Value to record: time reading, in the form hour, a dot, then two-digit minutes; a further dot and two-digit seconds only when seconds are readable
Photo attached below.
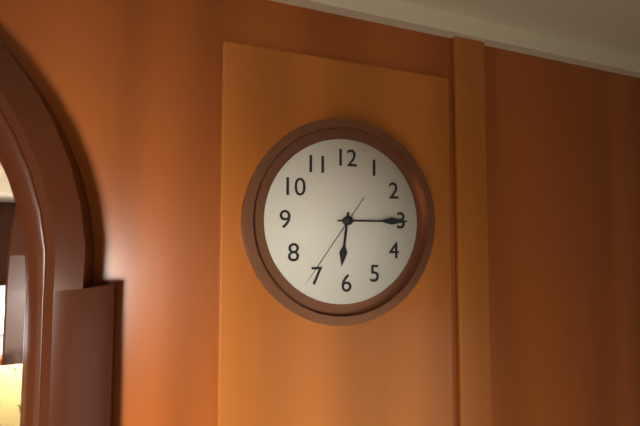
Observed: 6.15.36
